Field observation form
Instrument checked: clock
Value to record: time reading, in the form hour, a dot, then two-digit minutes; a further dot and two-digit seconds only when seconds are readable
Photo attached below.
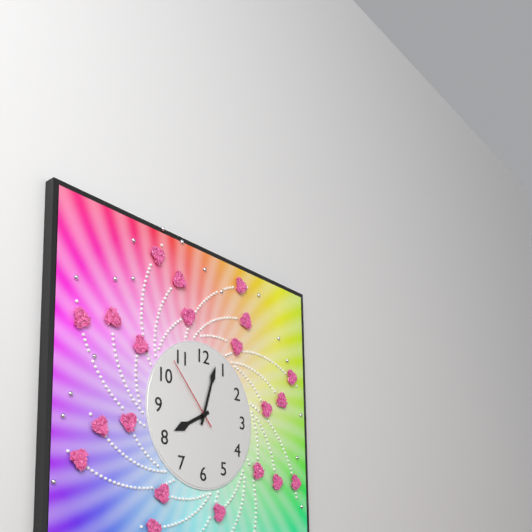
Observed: 8.03.53
